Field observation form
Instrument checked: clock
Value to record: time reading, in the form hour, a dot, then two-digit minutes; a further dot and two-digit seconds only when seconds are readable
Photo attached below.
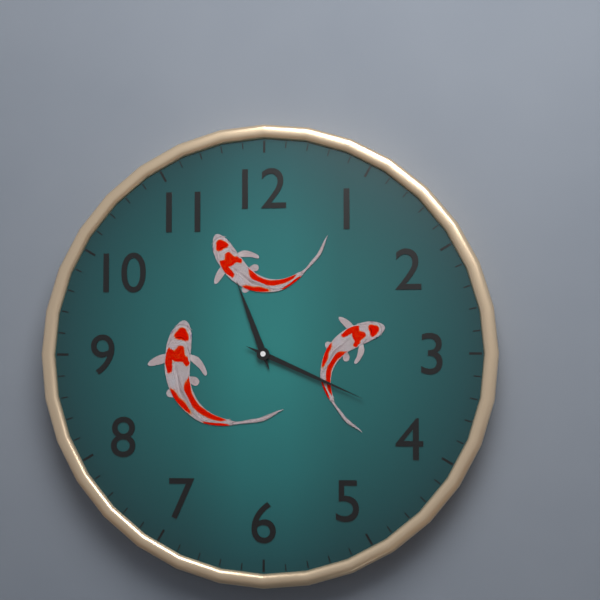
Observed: 11.19
